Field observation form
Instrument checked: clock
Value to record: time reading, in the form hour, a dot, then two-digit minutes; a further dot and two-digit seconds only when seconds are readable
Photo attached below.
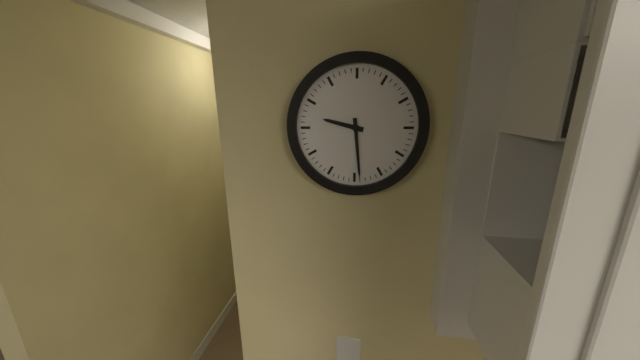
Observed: 9.29
